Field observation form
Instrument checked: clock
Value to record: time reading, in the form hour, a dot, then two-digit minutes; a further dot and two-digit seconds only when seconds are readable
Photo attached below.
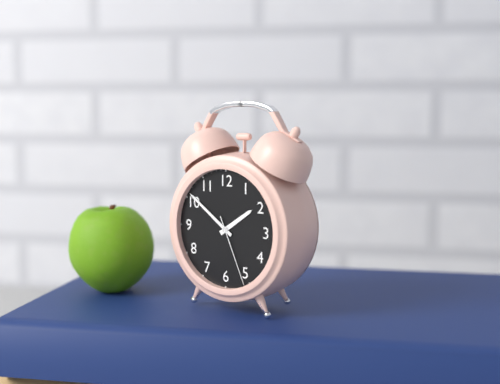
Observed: 1.51.26
